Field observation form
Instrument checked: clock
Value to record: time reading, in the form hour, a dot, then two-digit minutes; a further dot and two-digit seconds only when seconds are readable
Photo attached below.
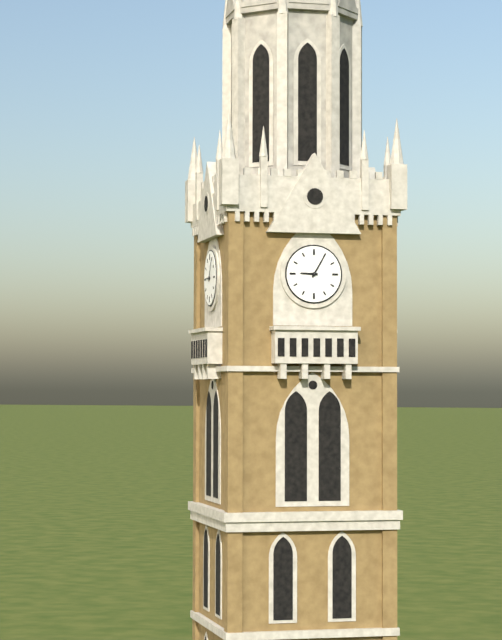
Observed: 9.05
